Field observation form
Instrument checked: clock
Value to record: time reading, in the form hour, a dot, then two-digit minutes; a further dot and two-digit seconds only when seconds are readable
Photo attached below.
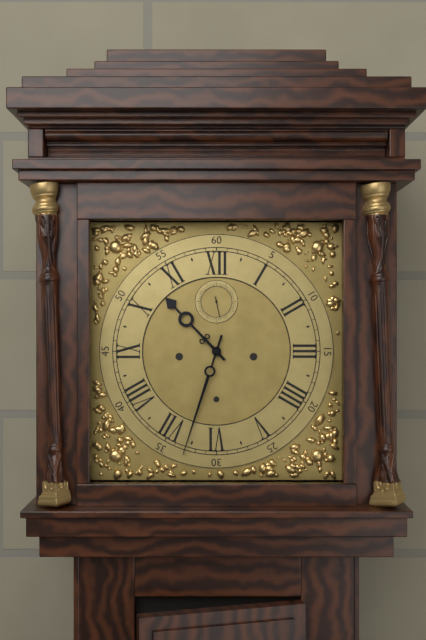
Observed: 10.33
